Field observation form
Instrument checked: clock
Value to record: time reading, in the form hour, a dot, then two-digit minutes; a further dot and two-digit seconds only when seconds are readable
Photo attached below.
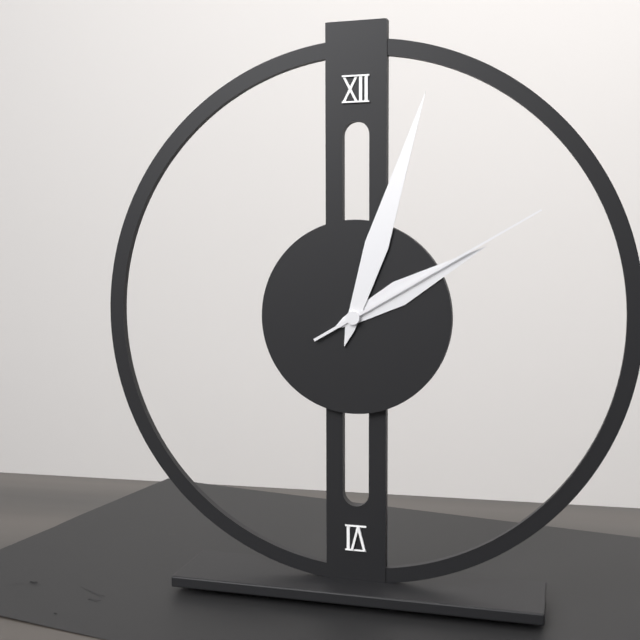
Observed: 2.03.10
